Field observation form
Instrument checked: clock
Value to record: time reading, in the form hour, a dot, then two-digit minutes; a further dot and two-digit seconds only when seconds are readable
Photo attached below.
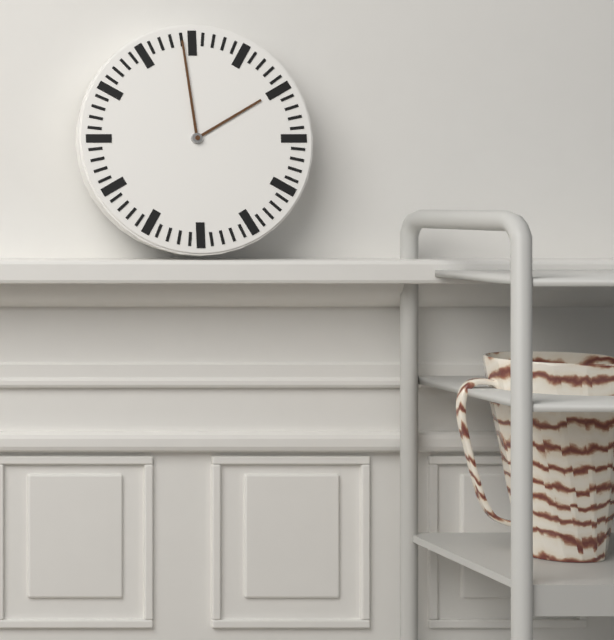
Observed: 1.59
